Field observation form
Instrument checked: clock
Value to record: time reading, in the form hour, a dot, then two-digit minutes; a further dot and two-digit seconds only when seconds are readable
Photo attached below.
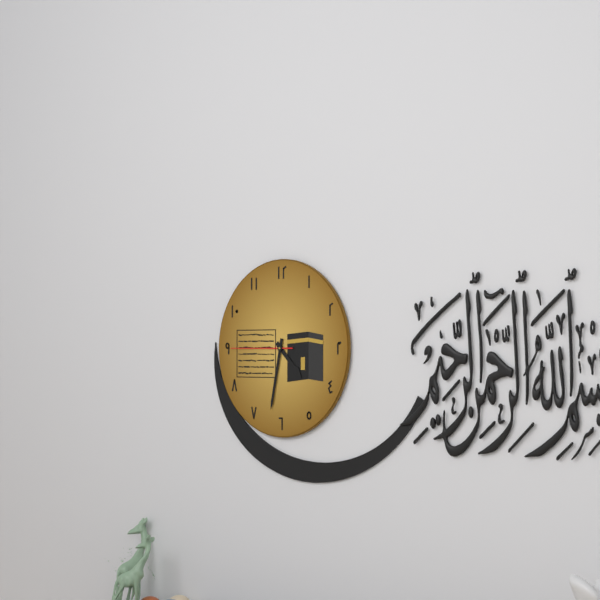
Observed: 4.32.45
